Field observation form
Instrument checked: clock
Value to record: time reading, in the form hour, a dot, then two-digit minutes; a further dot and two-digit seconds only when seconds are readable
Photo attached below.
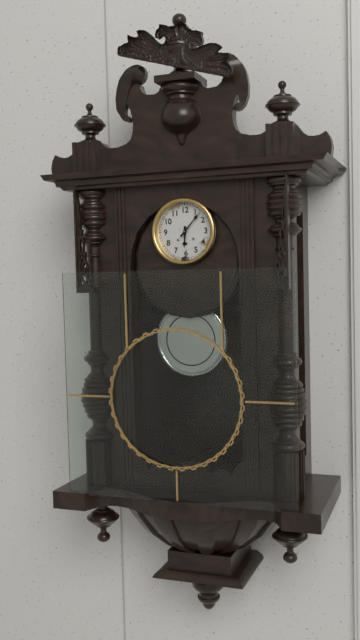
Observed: 6.07
